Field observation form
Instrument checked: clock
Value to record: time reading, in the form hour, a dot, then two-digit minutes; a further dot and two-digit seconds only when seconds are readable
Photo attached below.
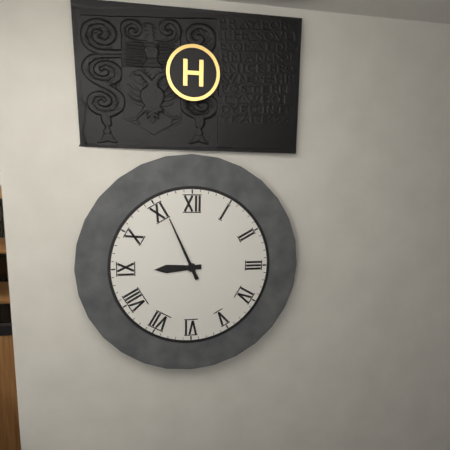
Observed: 8.56
